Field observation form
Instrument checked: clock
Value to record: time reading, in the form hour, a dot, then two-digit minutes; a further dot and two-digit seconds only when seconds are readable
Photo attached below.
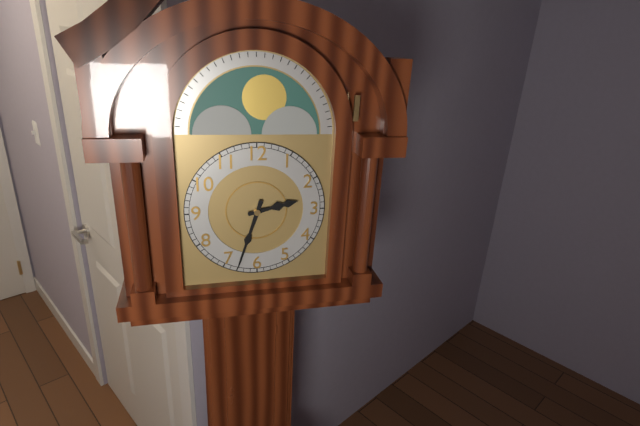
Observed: 2.33
